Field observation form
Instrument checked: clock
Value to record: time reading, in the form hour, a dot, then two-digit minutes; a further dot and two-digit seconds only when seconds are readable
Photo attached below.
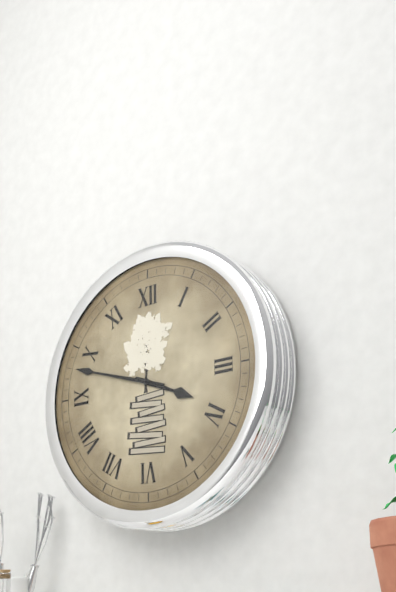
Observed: 3.48
